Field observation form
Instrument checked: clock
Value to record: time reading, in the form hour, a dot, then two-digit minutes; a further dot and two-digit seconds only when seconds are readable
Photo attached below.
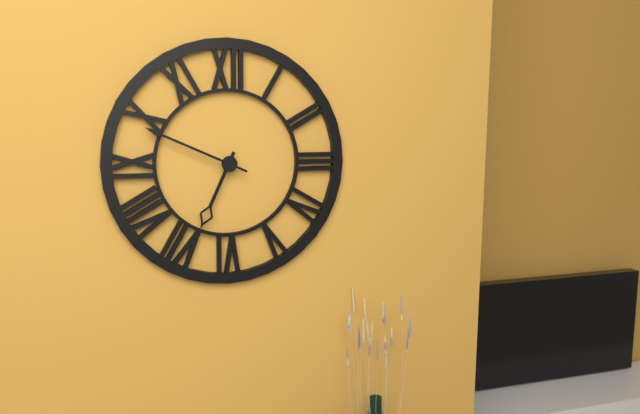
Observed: 6.49
